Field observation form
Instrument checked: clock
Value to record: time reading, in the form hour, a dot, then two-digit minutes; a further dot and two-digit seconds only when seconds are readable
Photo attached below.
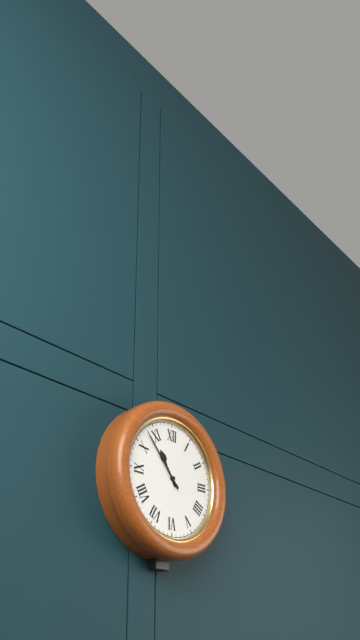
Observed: 10.53
